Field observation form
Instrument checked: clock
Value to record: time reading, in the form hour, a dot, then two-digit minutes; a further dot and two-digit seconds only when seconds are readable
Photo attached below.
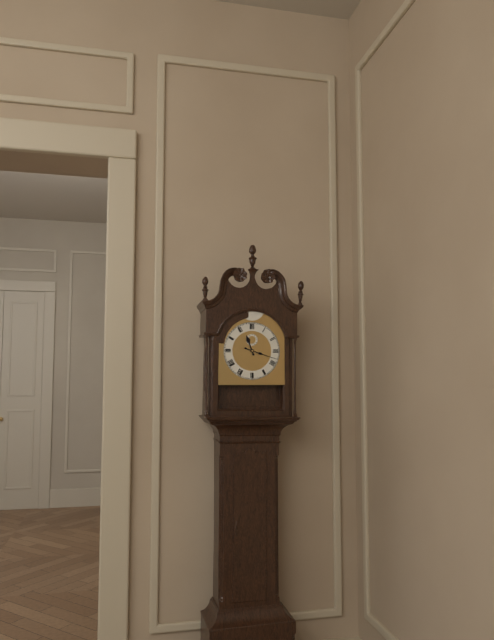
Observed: 11.18
